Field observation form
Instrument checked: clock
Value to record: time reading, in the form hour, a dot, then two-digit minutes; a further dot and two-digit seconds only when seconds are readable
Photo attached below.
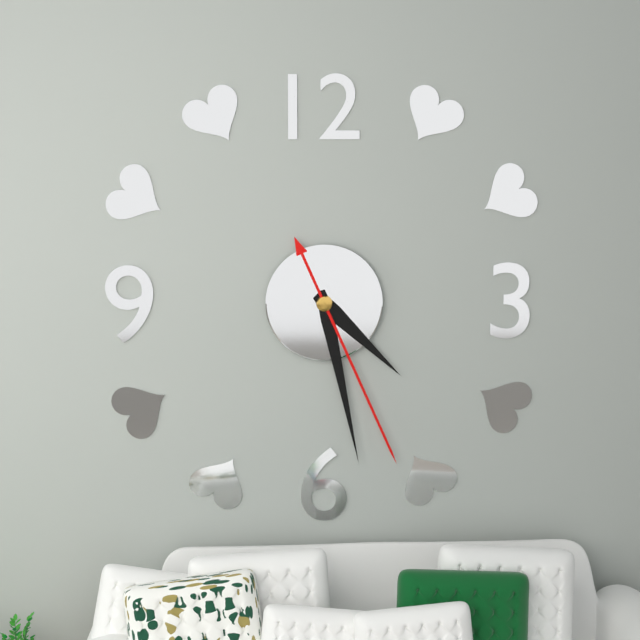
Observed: 4.28.26
